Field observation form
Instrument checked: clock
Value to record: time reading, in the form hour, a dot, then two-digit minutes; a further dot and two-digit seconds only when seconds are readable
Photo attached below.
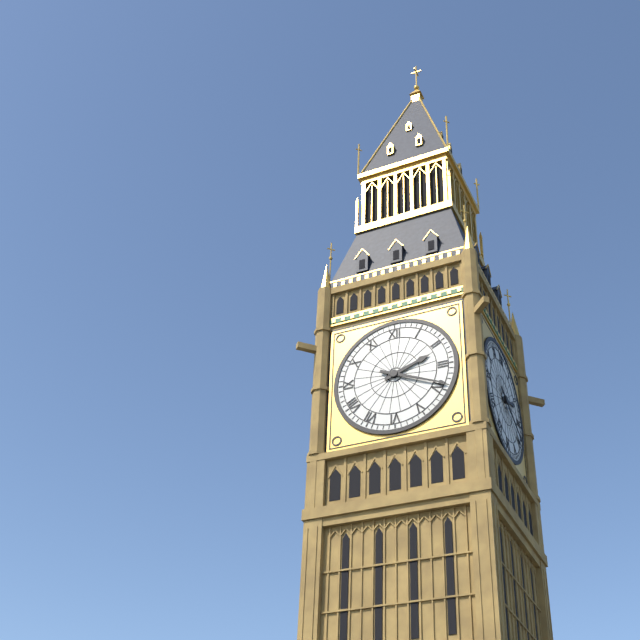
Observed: 2.19
